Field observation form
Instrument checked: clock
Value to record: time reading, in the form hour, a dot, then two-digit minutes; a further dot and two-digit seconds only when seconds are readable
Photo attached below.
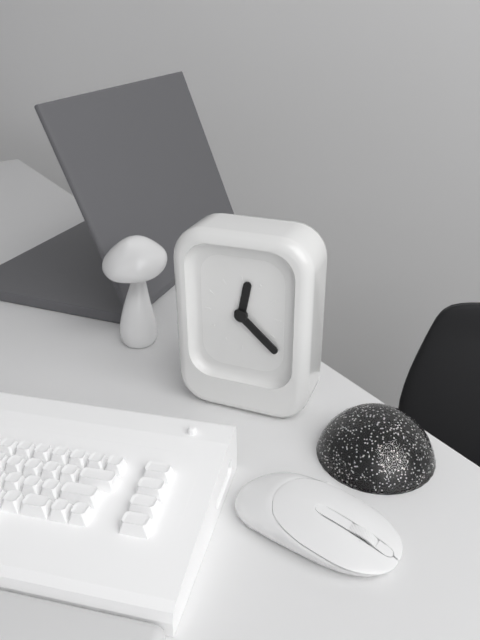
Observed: 12.22
